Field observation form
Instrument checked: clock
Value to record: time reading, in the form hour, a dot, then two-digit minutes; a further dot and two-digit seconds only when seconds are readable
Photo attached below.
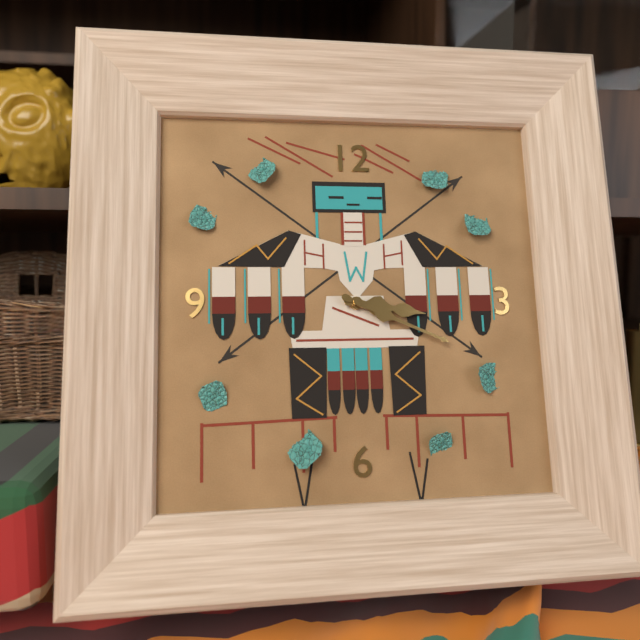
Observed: 3.19
